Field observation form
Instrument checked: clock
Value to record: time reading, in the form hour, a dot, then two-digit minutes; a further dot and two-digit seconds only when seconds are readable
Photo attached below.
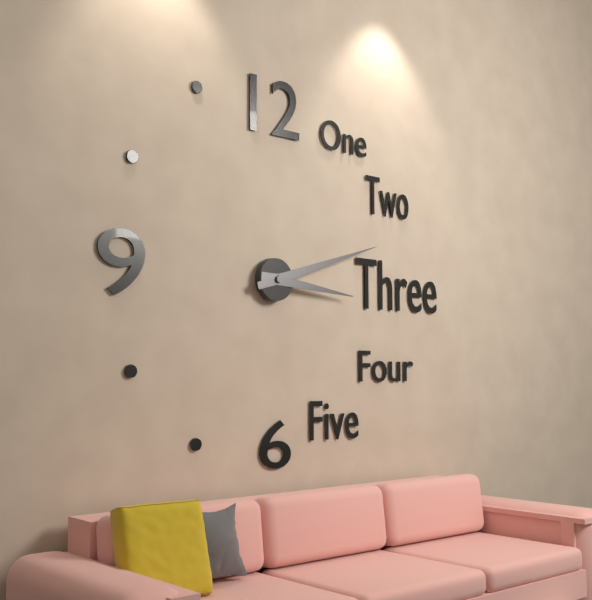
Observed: 3.12
